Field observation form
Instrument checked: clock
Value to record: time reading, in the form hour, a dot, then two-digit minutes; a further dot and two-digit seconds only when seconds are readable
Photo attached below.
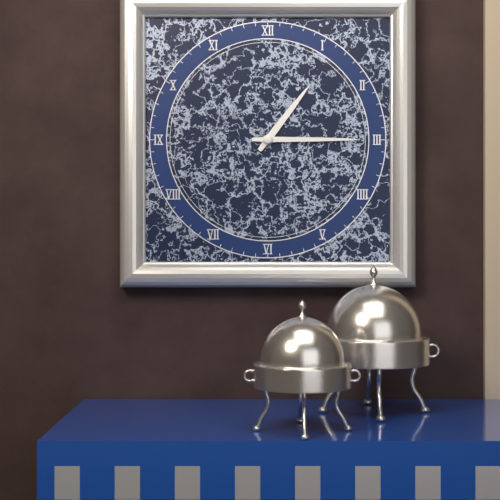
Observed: 1.15
